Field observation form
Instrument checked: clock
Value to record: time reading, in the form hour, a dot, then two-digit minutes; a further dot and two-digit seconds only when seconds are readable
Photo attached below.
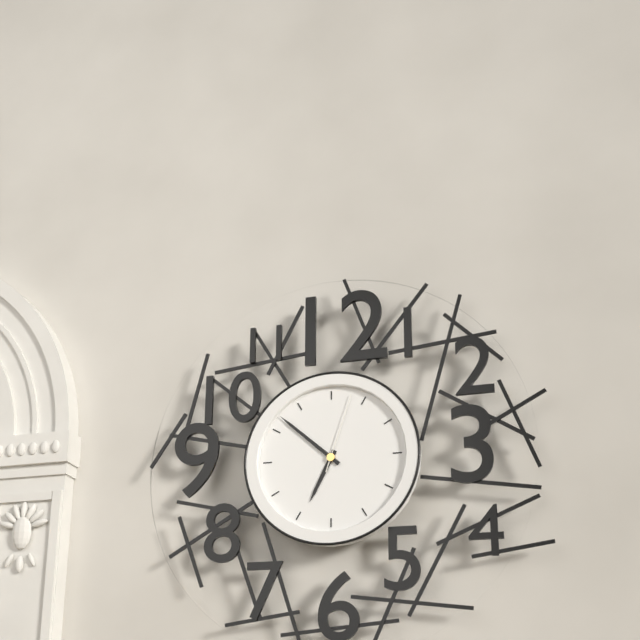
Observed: 6.52.03
